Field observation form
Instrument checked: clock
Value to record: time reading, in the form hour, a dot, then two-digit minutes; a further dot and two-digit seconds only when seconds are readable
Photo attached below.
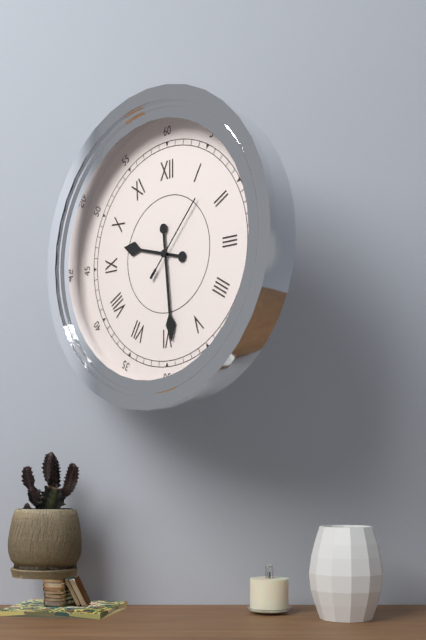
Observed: 9.29.07
